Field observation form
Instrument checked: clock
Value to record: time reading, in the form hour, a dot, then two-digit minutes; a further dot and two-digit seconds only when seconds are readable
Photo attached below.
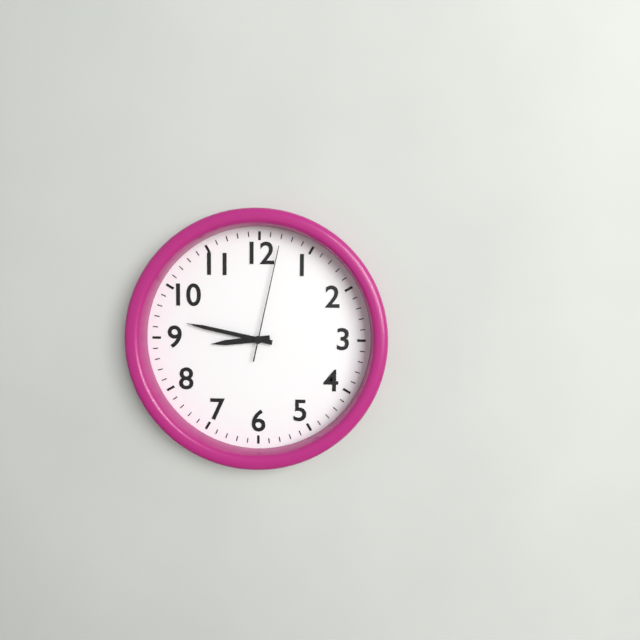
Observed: 8.47.02
